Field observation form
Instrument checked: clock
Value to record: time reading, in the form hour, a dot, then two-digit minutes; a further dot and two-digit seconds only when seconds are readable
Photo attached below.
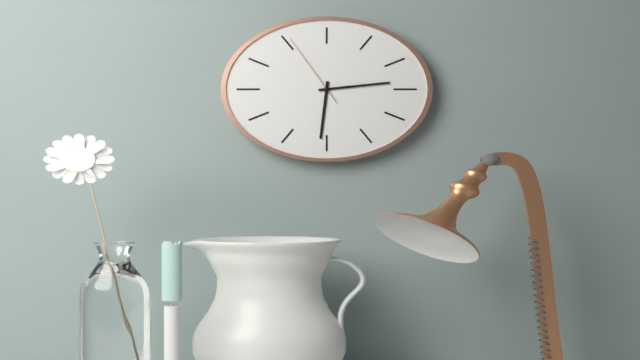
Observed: 6.14.54
